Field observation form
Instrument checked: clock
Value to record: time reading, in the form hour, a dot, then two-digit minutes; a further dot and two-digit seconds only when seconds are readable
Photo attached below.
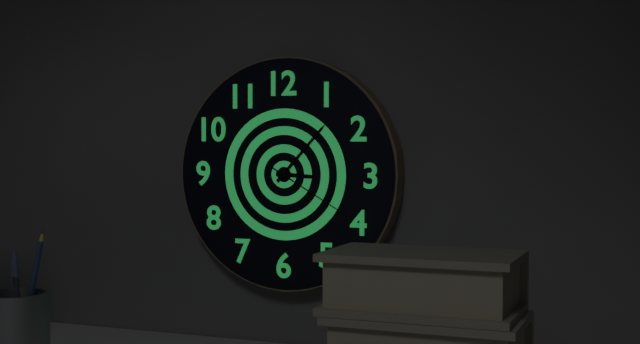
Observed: 3.07.20
